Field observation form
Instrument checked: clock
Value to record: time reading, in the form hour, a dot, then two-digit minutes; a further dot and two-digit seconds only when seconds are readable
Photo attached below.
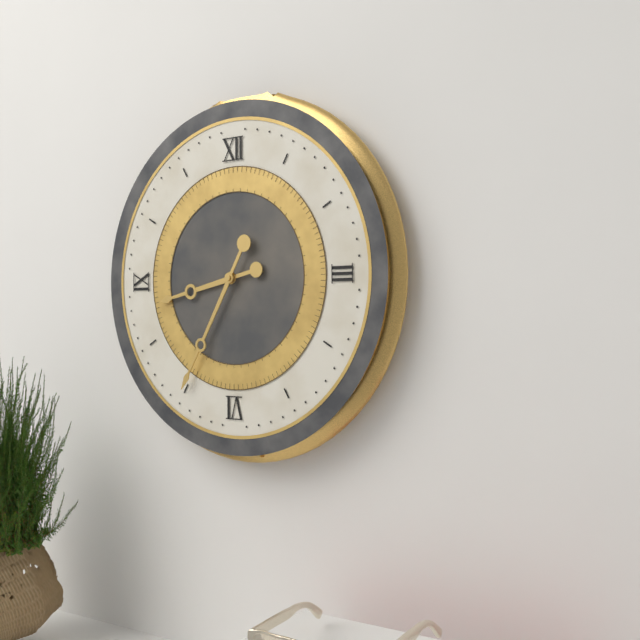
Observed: 8.35
